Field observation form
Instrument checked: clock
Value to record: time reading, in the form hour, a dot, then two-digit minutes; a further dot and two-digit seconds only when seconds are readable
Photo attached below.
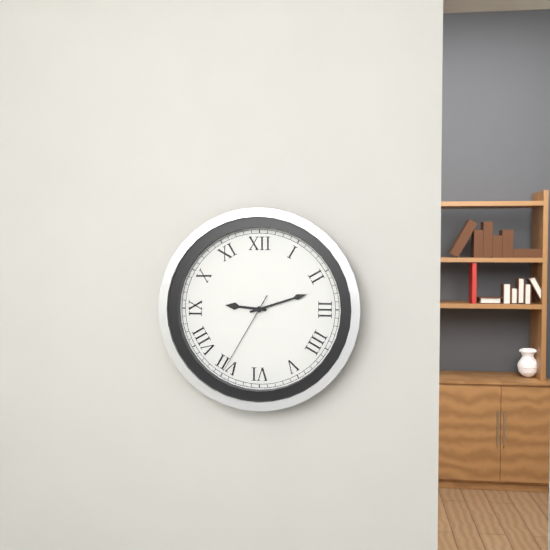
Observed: 9.12.35
